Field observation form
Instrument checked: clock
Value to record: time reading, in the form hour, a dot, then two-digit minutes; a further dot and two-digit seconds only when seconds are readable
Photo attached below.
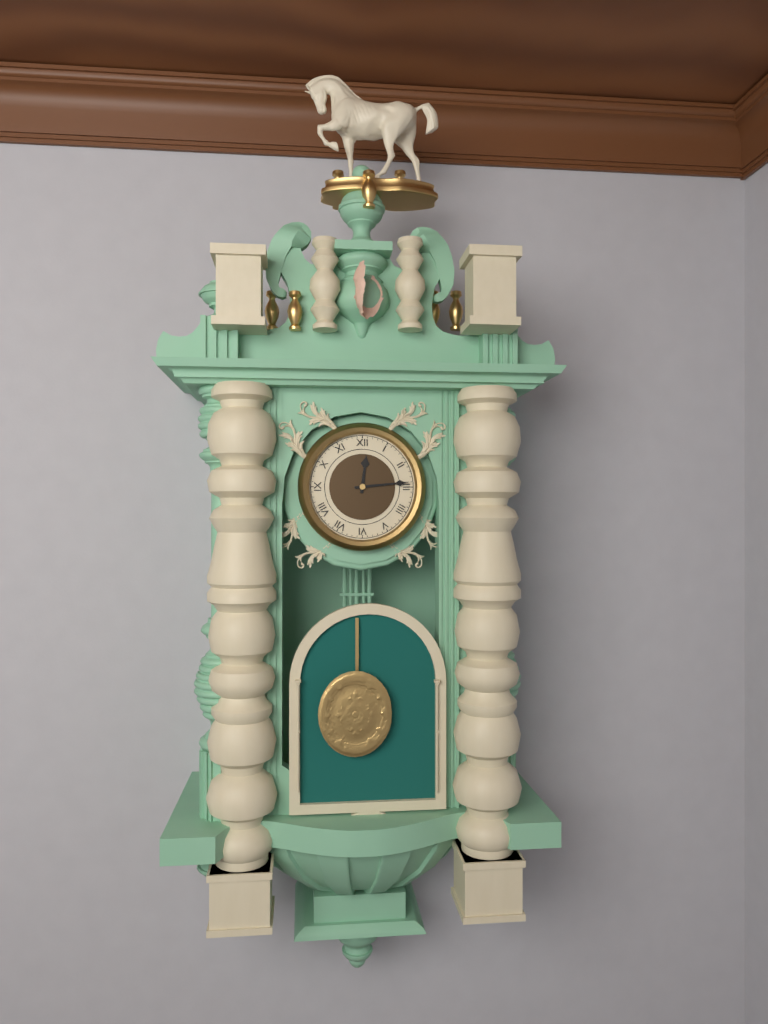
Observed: 12.14
